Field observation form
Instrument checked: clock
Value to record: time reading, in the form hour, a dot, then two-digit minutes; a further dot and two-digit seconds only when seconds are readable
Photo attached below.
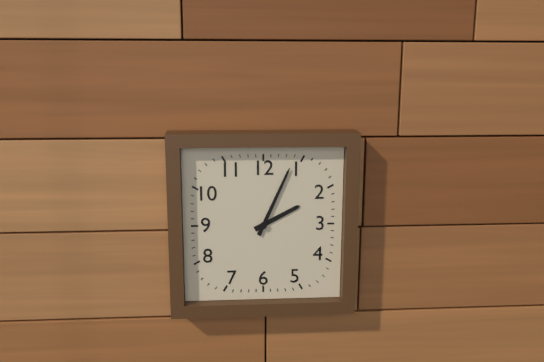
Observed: 2.04
